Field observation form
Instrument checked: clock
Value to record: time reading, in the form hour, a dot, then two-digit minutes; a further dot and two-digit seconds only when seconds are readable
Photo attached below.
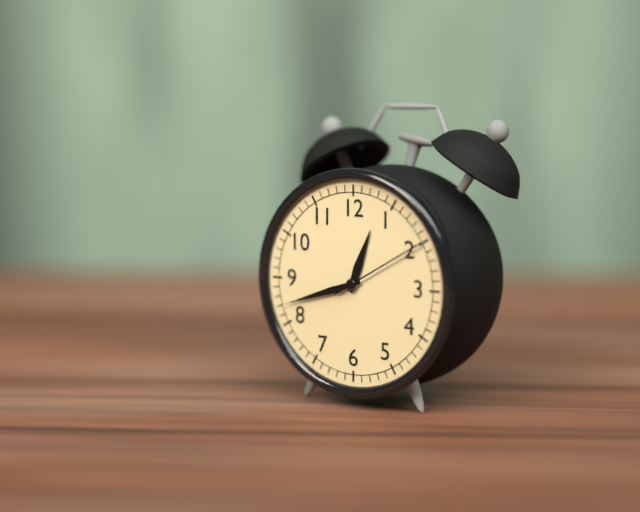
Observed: 12.42.10
